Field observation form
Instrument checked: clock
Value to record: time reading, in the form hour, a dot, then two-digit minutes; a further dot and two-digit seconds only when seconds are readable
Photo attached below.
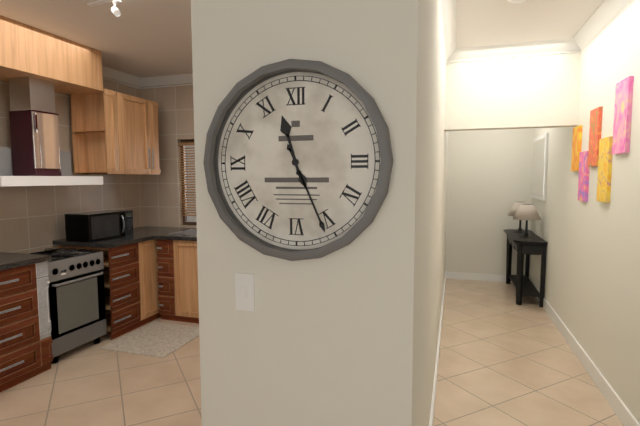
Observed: 11.26
